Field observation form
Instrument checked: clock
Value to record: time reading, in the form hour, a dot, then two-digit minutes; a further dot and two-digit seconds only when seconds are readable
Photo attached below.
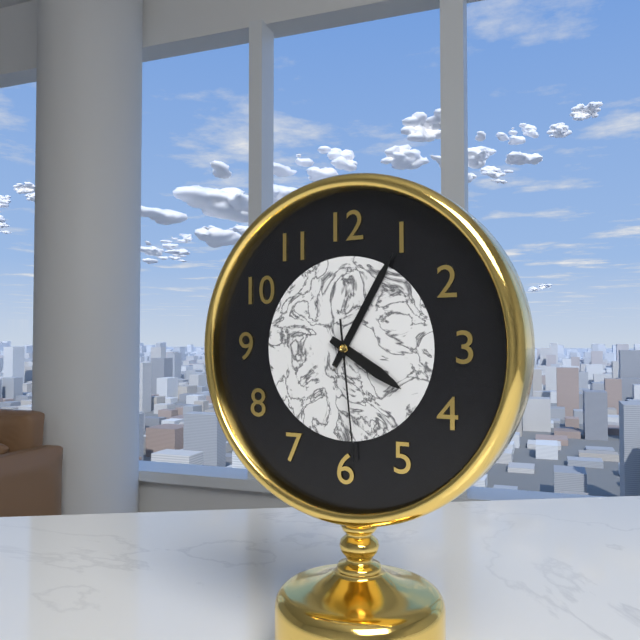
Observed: 4.05.29
